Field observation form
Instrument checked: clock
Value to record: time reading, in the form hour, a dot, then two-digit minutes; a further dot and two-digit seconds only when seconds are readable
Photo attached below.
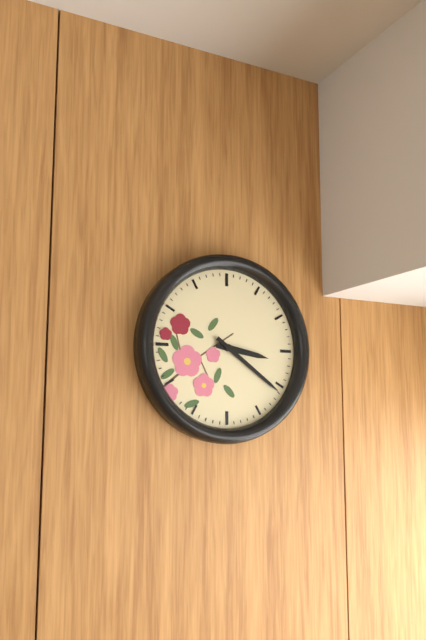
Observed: 3.21
